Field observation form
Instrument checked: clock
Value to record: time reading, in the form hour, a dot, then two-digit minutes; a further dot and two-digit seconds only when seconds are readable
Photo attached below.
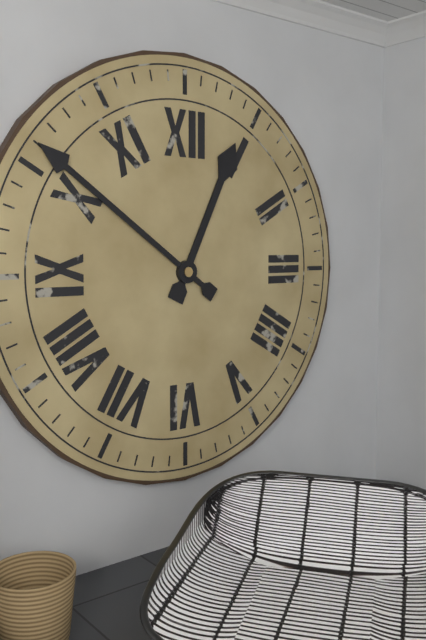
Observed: 12.51
